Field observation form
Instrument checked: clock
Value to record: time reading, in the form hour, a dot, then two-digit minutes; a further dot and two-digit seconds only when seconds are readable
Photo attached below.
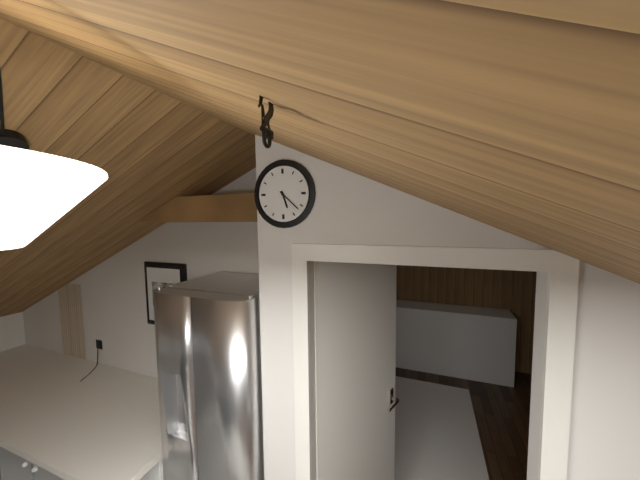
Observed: 5.22
